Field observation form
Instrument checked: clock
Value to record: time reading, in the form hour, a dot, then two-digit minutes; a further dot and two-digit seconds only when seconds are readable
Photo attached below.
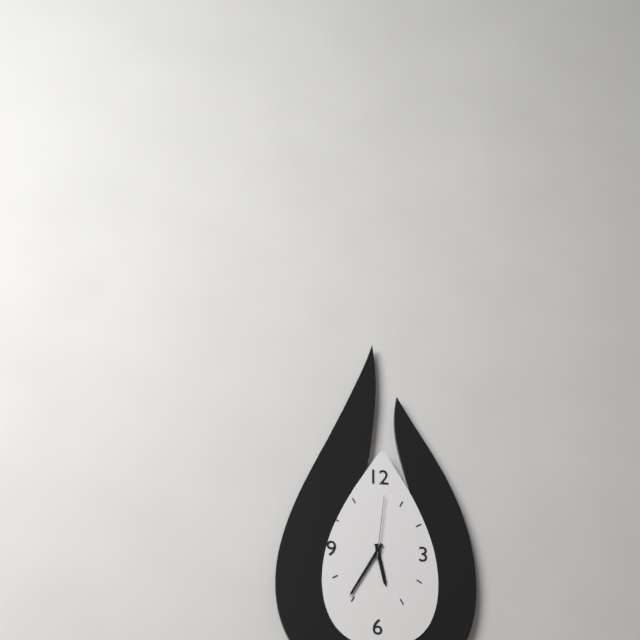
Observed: 5.35.01
